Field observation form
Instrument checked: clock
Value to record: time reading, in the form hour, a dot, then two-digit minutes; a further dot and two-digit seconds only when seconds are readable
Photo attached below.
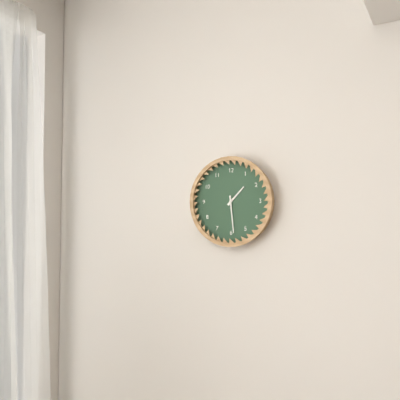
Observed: 1.29
